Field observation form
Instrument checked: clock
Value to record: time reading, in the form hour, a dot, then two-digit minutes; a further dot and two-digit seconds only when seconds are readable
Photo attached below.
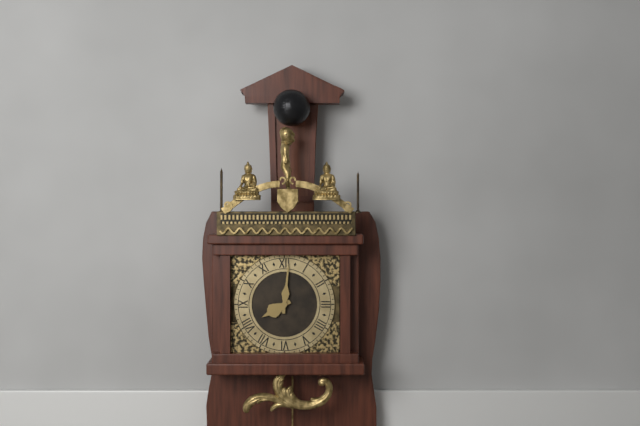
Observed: 8.01
